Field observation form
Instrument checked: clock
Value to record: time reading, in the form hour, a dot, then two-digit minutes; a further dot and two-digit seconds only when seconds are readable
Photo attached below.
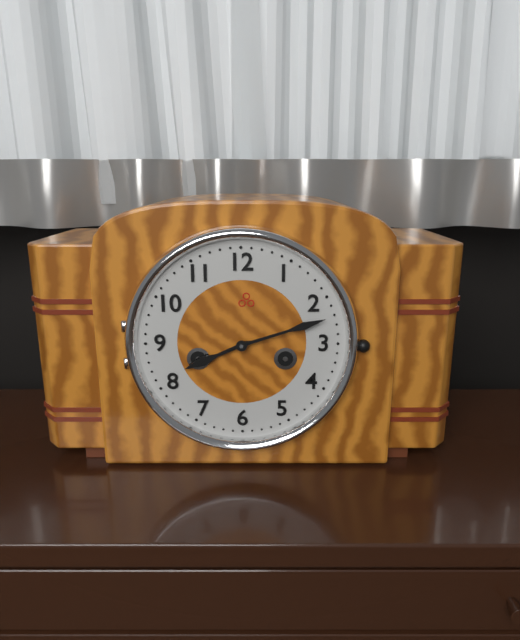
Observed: 8.12
